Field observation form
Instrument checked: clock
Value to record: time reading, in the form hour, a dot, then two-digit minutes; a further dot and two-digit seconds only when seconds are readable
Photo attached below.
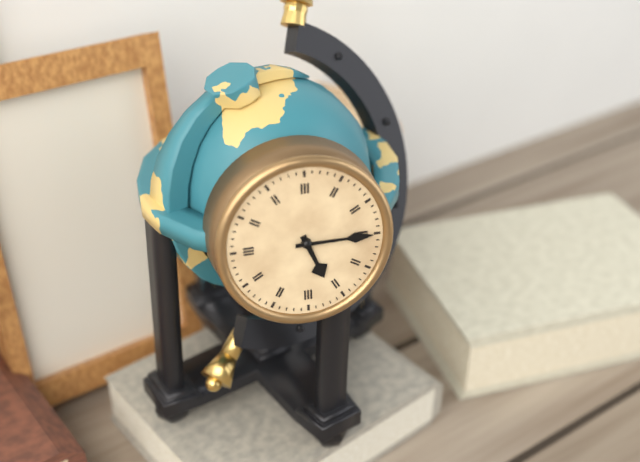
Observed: 5.15
